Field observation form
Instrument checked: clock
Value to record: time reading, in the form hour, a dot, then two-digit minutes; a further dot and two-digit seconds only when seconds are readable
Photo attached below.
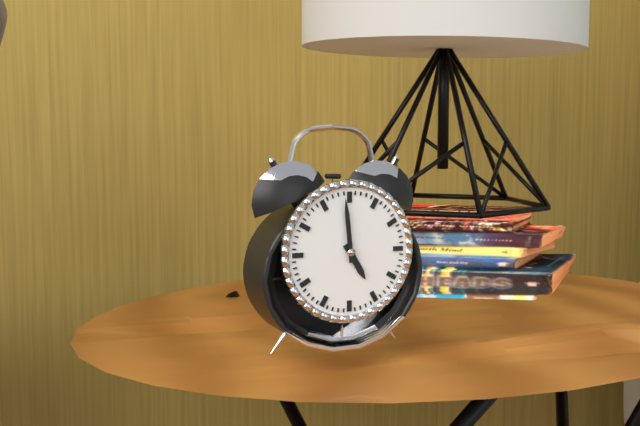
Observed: 4.59
